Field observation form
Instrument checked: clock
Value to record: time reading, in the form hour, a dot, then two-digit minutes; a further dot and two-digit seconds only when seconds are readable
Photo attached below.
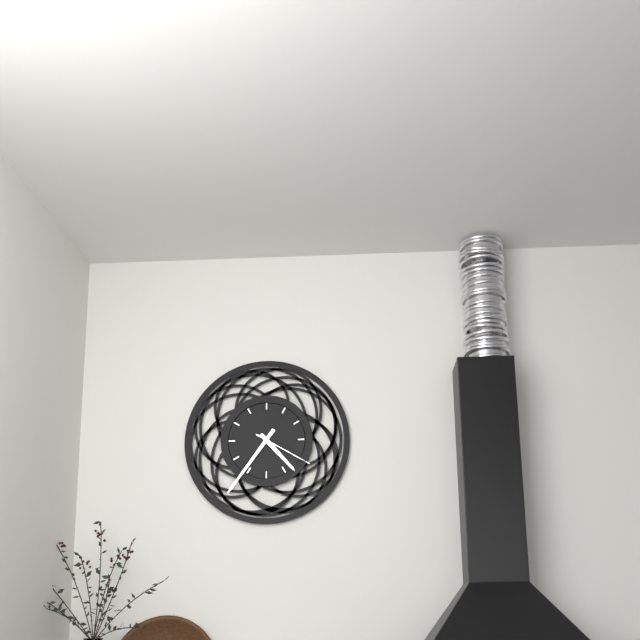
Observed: 4.36.20
